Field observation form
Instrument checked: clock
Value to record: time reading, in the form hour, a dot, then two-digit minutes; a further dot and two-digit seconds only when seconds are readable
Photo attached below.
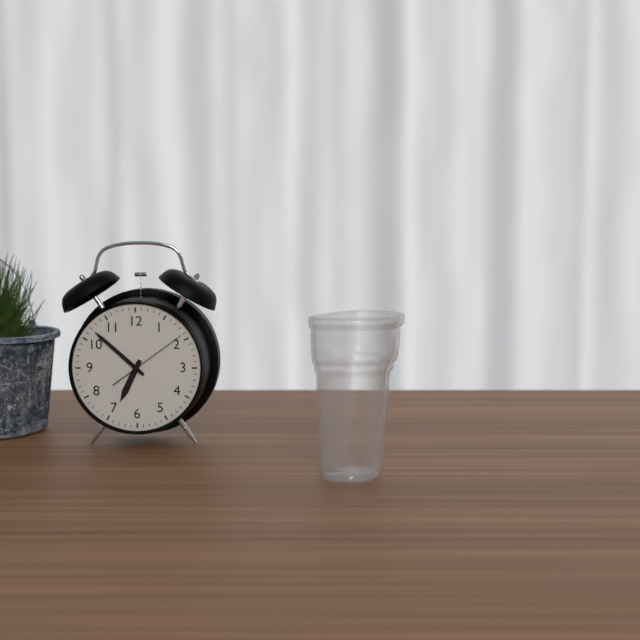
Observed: 6.52.09
